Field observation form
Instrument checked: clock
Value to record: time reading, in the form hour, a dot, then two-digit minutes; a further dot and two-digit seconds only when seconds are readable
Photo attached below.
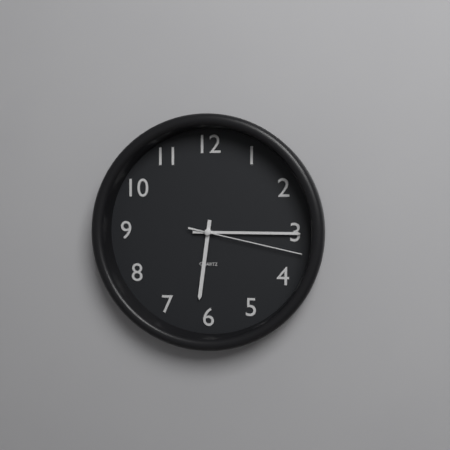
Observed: 6.15.17
